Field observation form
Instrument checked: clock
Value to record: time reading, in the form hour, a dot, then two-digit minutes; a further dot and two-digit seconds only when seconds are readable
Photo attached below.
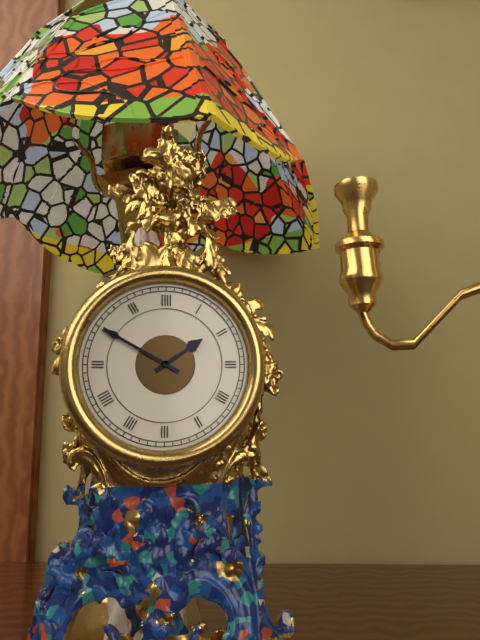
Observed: 1.50
